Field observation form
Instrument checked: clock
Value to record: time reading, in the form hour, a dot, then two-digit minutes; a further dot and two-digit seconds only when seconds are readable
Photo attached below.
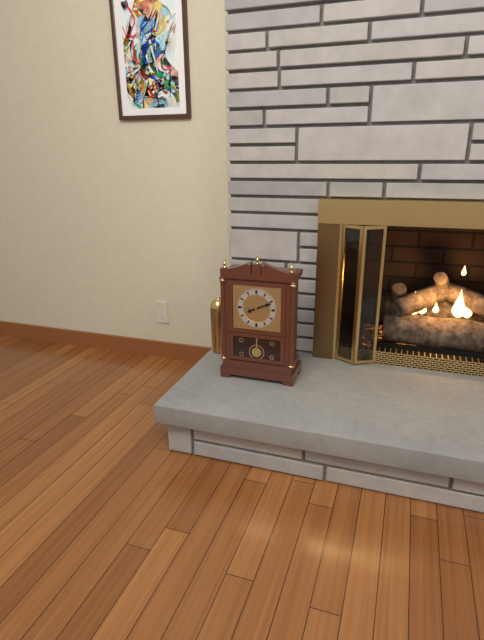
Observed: 8.11
